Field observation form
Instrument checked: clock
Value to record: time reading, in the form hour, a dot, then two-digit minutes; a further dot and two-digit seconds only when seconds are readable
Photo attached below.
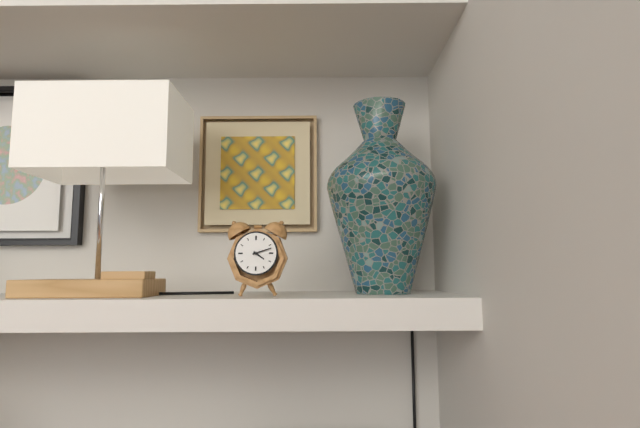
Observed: 4.12
